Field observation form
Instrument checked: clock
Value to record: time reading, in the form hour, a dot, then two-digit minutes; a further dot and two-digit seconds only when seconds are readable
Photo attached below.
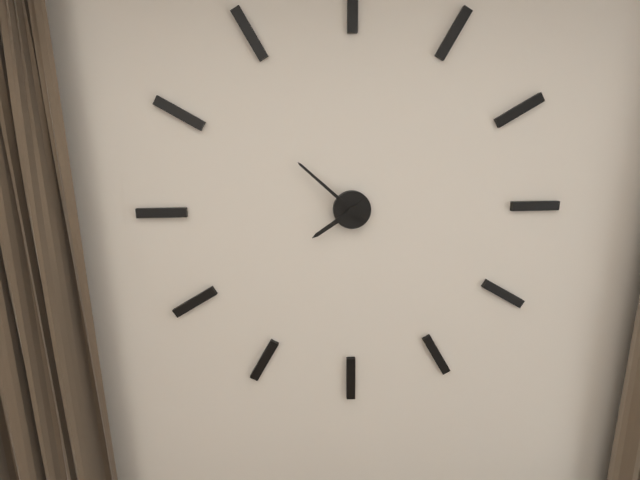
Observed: 7.52
